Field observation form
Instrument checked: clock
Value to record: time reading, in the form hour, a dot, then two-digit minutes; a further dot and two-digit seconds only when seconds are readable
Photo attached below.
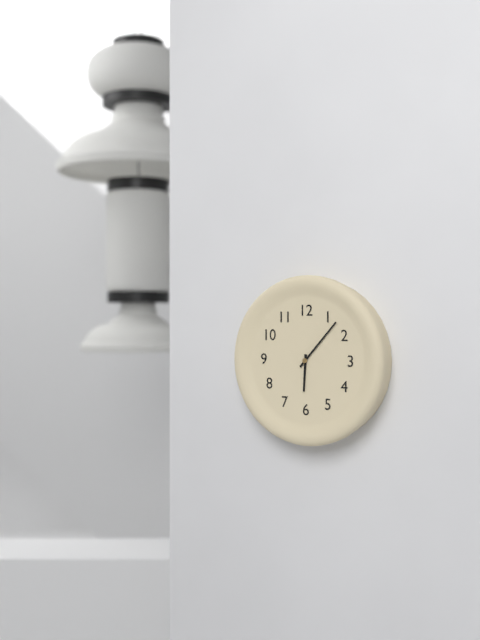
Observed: 6.07
